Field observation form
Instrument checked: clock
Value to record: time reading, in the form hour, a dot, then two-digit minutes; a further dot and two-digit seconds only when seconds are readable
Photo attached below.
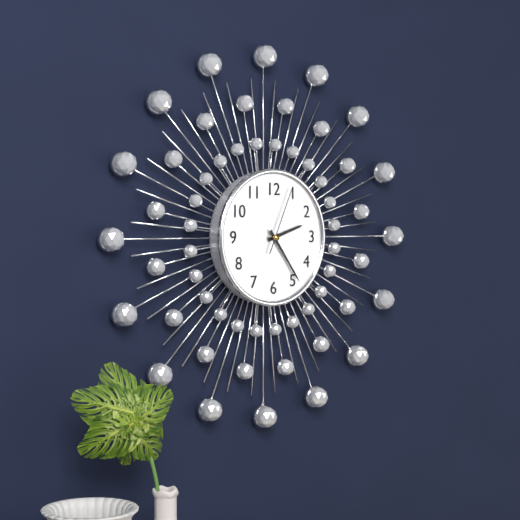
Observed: 2.24.04
